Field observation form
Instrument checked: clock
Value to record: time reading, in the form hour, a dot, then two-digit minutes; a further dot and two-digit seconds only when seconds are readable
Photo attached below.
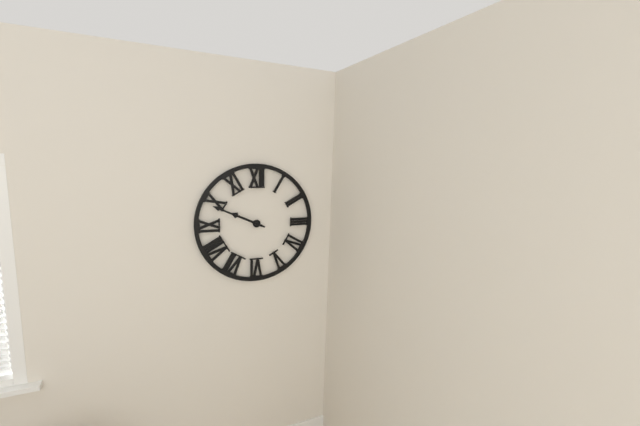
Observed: 9.49
